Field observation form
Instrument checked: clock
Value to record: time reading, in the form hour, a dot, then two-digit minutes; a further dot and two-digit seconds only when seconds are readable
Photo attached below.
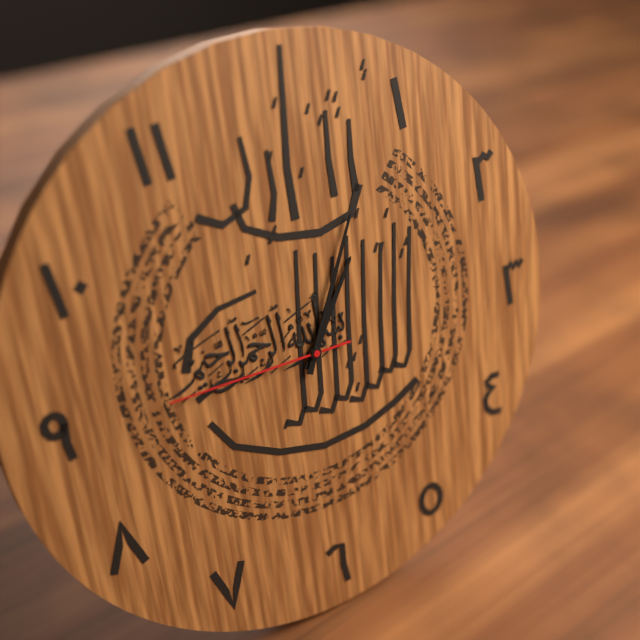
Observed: 1.04.45
